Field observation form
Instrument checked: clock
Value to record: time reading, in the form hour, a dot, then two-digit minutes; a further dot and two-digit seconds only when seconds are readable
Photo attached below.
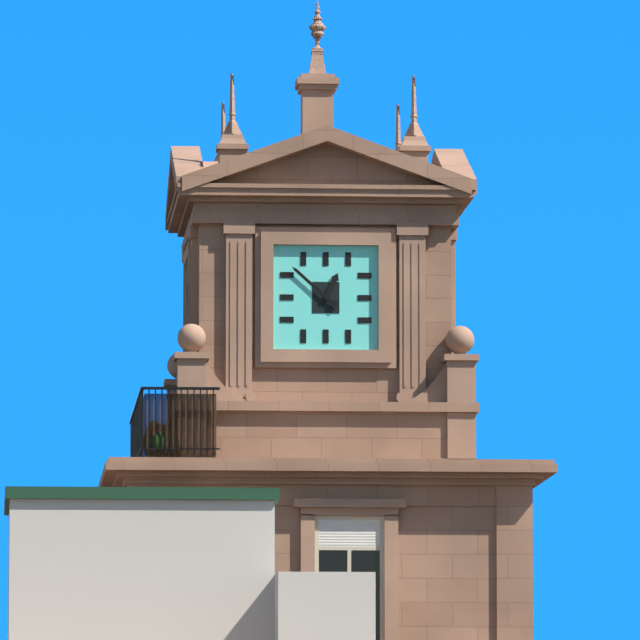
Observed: 12.52
